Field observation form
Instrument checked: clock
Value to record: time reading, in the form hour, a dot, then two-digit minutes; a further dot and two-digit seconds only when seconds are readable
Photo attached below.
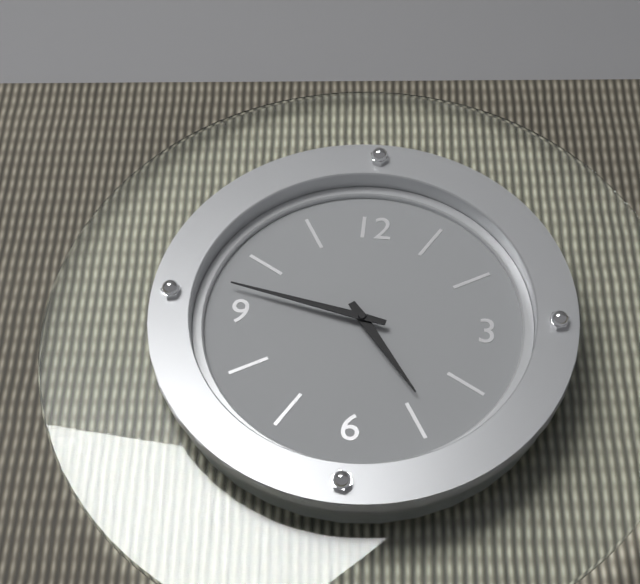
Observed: 4.47
